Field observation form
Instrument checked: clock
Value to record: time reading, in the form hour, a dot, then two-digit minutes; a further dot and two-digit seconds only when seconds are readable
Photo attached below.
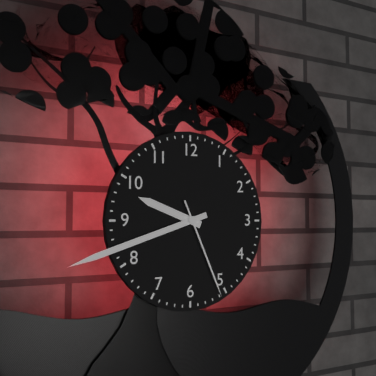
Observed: 9.42.26
